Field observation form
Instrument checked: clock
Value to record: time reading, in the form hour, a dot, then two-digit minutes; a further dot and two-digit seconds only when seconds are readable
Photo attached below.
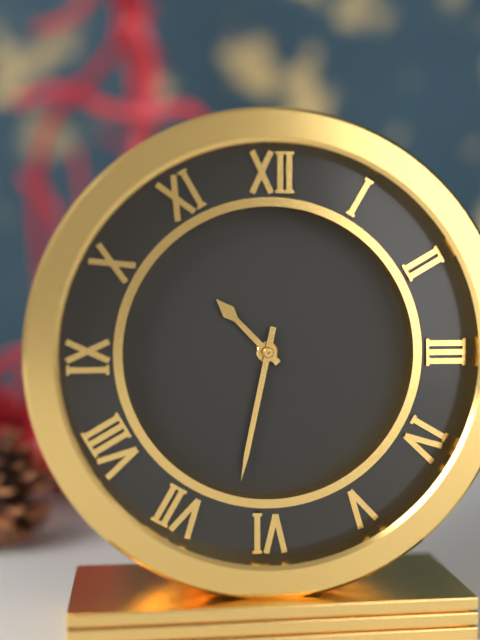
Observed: 10.32
